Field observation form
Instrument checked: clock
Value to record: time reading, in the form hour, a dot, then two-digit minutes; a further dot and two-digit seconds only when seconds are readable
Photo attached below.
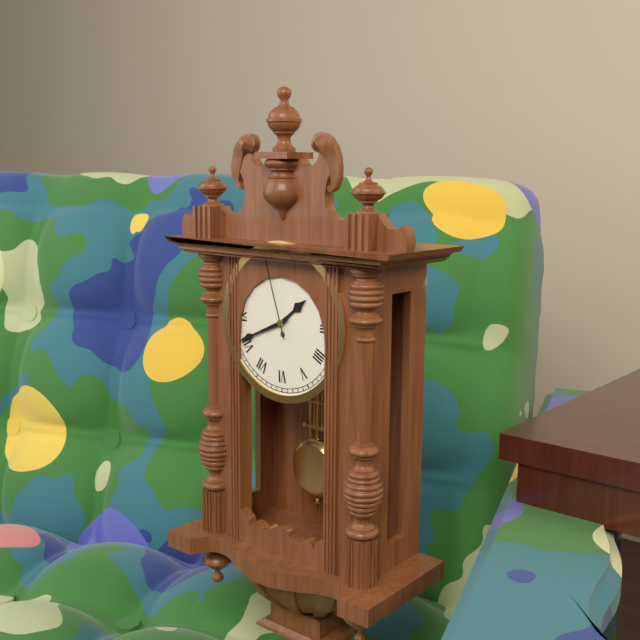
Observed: 1.41.57
